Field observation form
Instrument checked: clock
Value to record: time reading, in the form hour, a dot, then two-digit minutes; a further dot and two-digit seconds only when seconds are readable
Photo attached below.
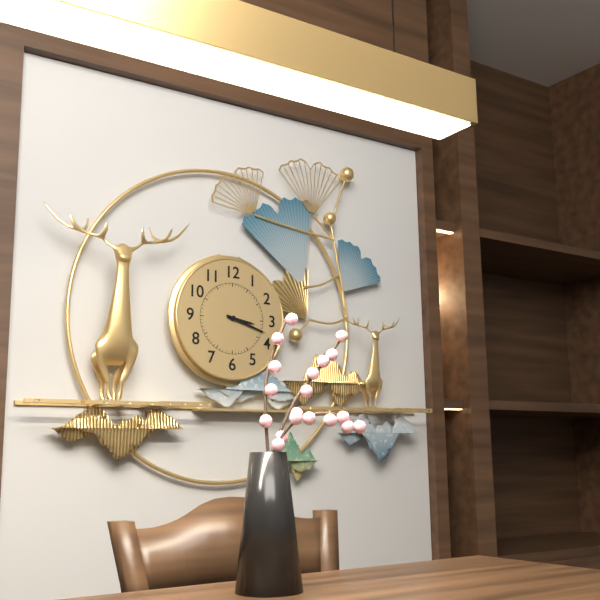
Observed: 3.18
